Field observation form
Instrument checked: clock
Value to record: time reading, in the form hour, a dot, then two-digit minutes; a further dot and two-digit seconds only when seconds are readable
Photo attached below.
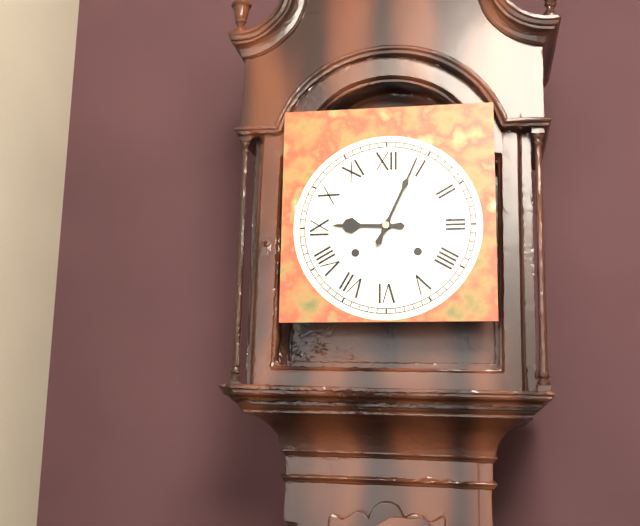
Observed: 9.04
